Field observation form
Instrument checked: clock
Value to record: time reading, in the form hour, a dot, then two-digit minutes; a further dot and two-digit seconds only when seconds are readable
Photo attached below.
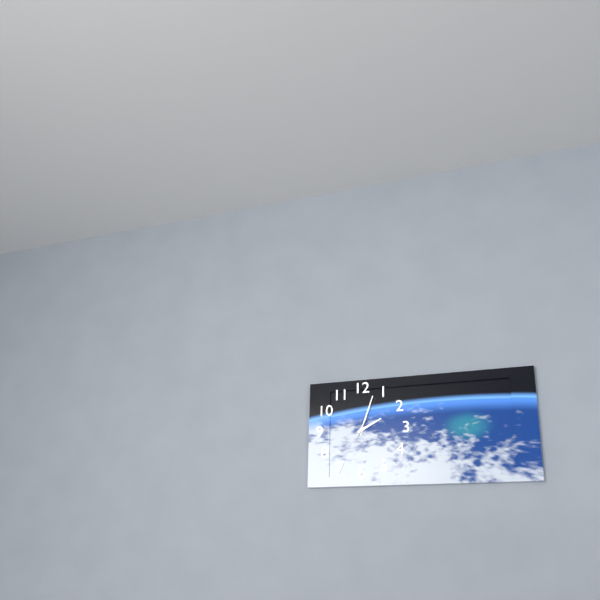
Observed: 2.03
